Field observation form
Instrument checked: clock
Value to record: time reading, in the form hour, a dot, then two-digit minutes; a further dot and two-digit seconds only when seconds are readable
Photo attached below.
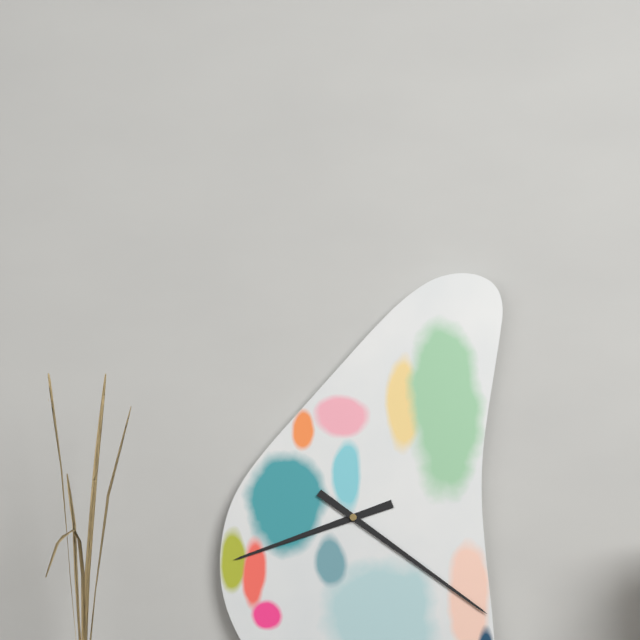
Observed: 8.21
